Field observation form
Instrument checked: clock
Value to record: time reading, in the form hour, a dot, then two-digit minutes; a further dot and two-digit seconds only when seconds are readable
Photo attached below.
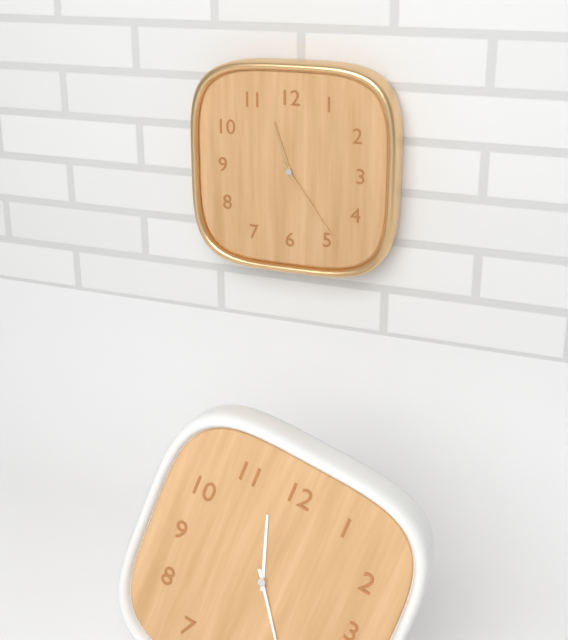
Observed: 11.24
